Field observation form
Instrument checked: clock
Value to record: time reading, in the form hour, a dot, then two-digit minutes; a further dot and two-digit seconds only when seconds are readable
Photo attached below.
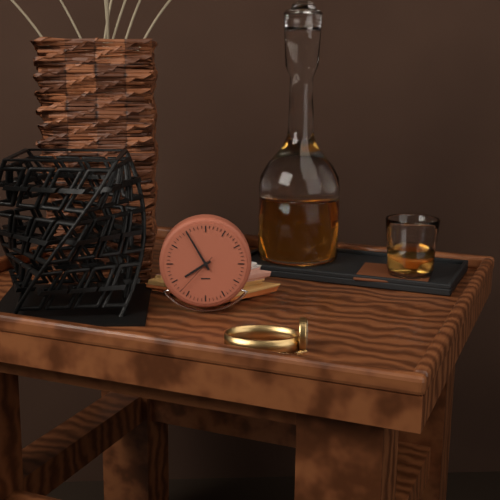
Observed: 7.55
